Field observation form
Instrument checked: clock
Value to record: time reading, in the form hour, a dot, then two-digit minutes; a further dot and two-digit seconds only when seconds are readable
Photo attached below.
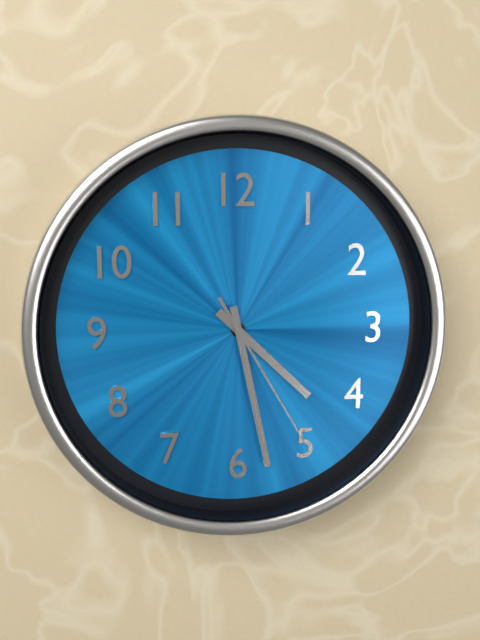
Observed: 4.28.25
